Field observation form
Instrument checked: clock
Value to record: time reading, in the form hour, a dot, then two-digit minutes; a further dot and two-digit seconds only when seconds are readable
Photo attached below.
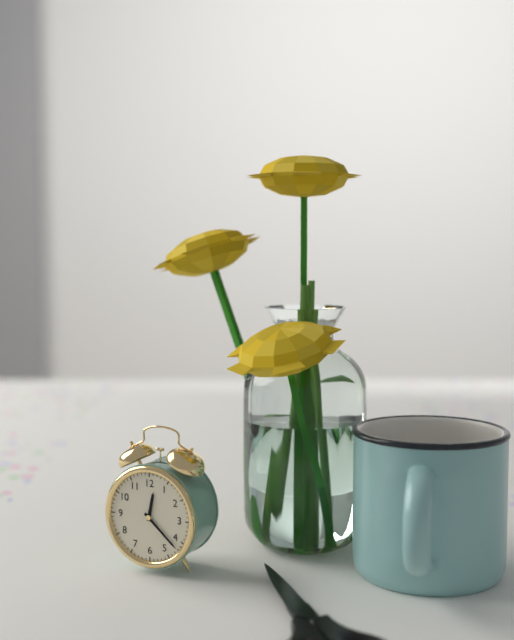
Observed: 12.22
